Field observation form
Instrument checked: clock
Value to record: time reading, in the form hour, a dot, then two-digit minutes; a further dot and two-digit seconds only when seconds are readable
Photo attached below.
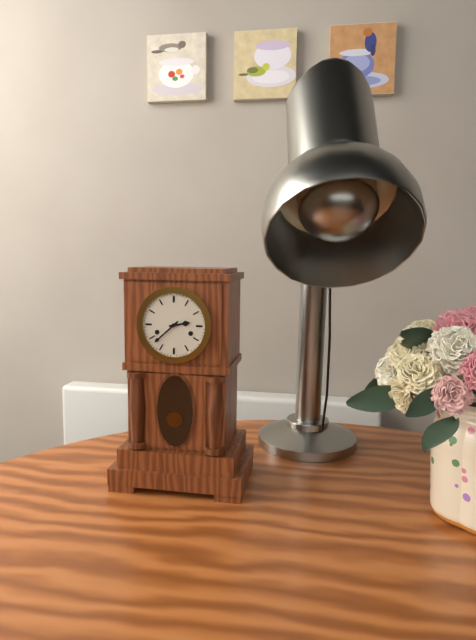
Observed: 2.38
